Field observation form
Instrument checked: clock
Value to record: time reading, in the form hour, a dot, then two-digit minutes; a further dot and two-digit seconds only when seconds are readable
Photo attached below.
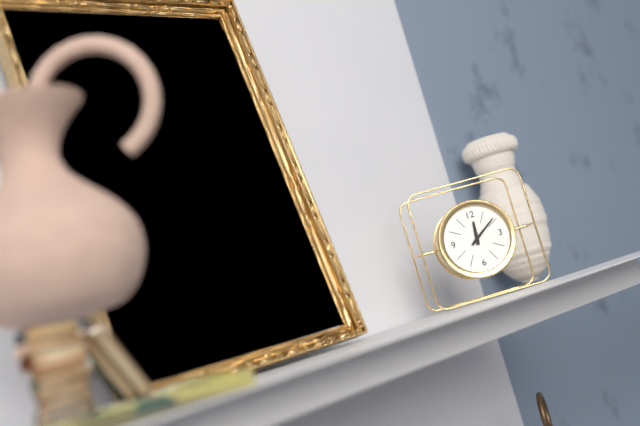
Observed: 12.09
